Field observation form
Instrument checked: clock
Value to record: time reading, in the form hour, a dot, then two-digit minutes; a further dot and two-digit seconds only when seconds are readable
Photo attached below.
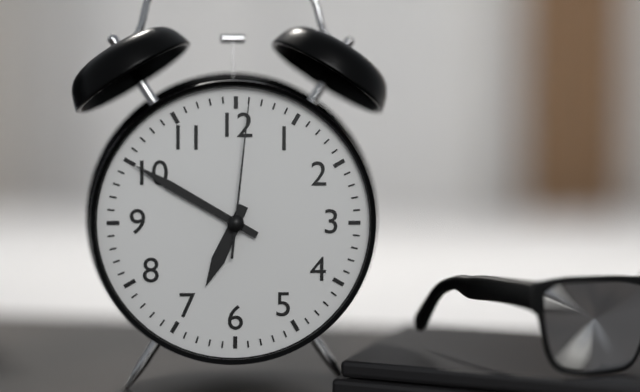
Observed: 6.50.01
